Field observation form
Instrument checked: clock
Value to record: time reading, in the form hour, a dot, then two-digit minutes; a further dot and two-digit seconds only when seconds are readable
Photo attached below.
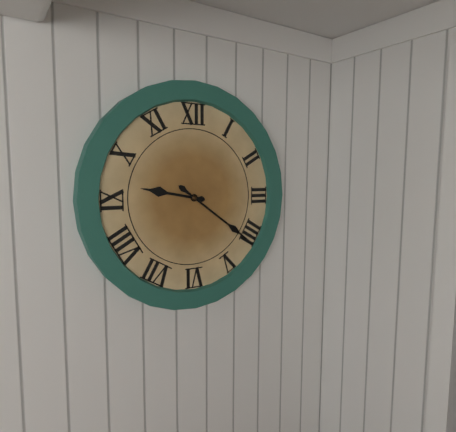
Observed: 9.21
